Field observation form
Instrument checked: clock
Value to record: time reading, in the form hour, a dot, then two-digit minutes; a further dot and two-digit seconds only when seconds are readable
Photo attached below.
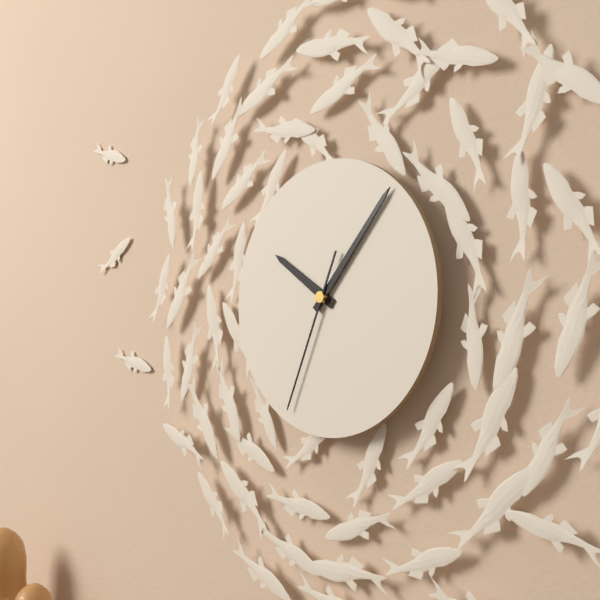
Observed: 10.07.34
